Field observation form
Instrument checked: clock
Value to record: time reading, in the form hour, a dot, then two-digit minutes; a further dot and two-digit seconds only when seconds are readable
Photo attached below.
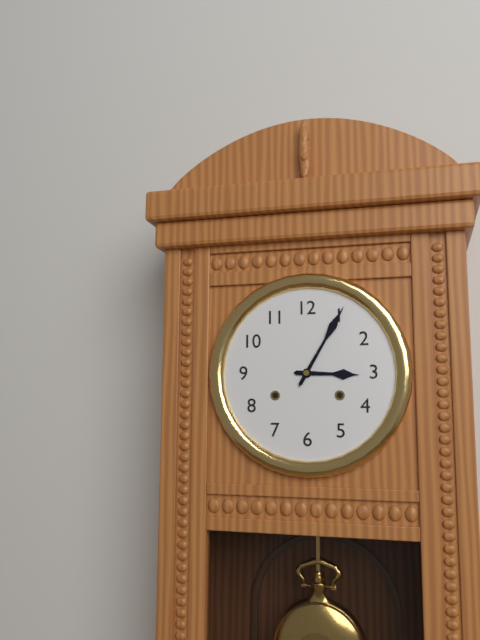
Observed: 3.05
